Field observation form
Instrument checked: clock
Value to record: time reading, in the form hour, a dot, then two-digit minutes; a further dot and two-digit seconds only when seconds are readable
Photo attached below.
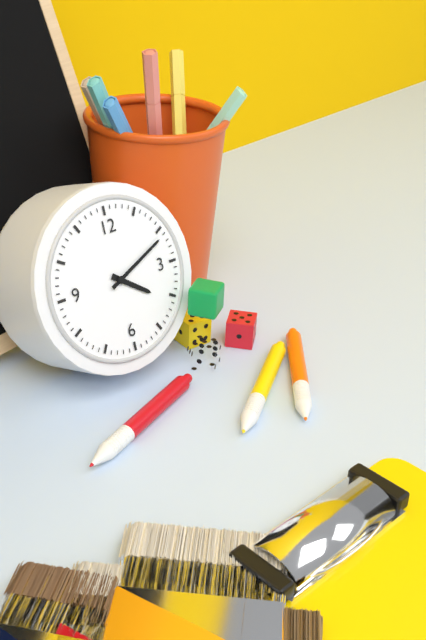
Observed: 4.11
